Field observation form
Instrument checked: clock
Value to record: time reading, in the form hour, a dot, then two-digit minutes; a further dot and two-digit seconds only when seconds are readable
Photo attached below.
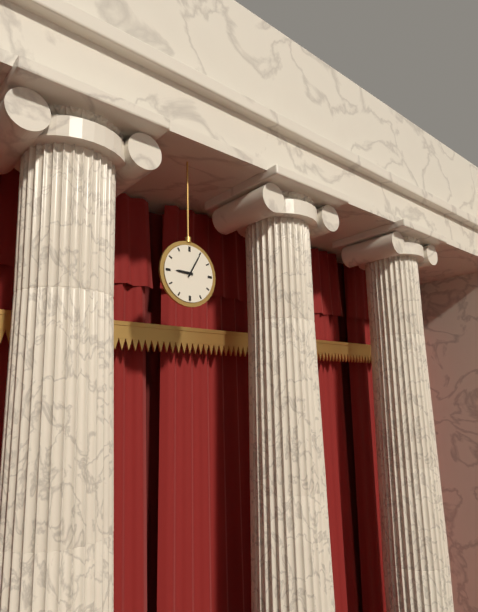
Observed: 9.05
